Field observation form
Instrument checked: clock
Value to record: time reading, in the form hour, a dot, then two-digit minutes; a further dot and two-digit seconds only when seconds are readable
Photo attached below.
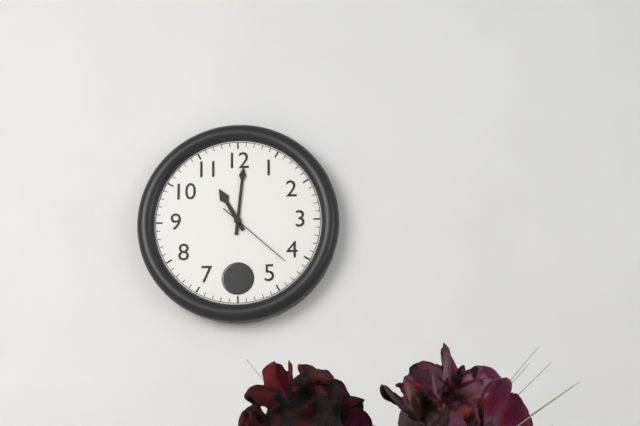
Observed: 11.01.22
